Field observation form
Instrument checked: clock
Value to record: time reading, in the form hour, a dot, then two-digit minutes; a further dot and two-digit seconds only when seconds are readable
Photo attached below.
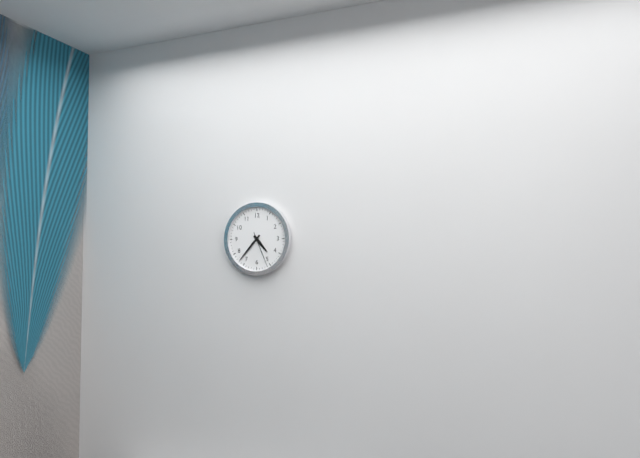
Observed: 4.37
